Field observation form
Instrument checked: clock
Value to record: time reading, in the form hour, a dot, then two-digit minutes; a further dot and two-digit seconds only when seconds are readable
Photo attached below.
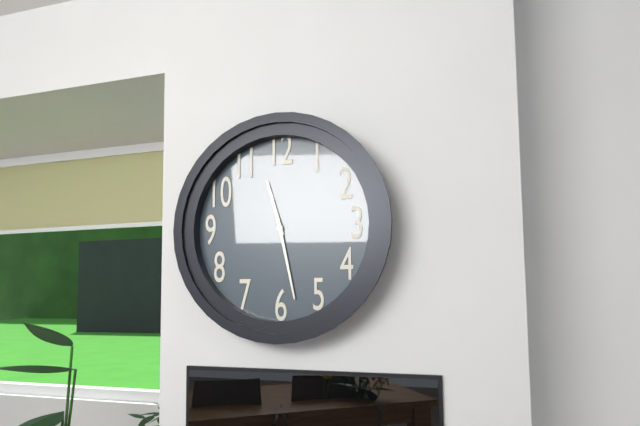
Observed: 11.28
